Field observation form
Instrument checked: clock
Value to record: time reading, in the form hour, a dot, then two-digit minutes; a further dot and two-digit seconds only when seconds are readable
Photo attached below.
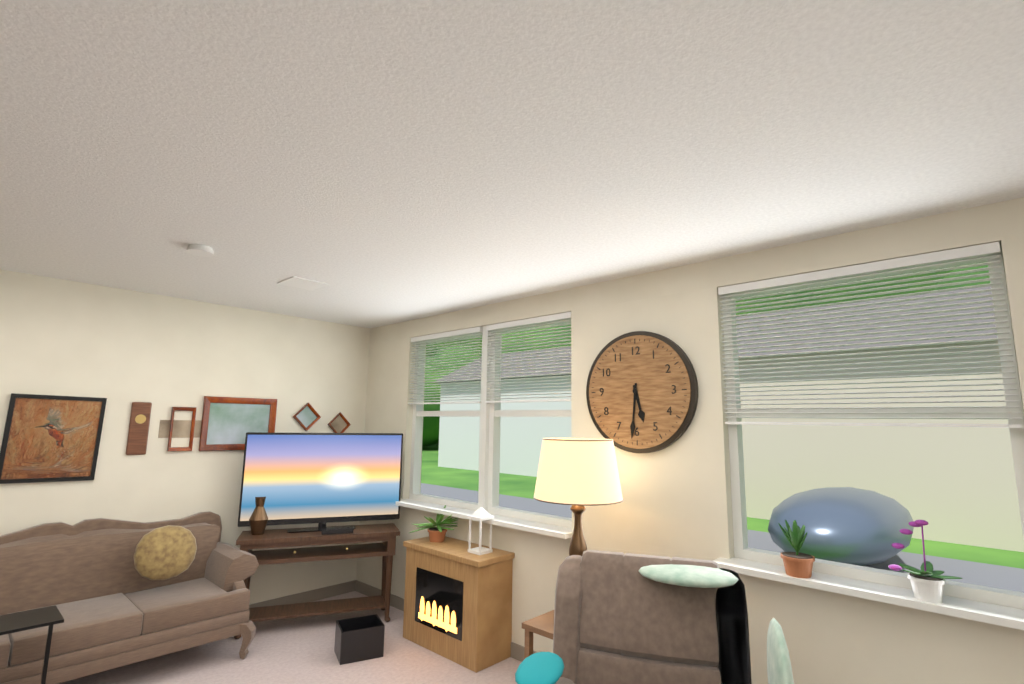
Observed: 5.31
